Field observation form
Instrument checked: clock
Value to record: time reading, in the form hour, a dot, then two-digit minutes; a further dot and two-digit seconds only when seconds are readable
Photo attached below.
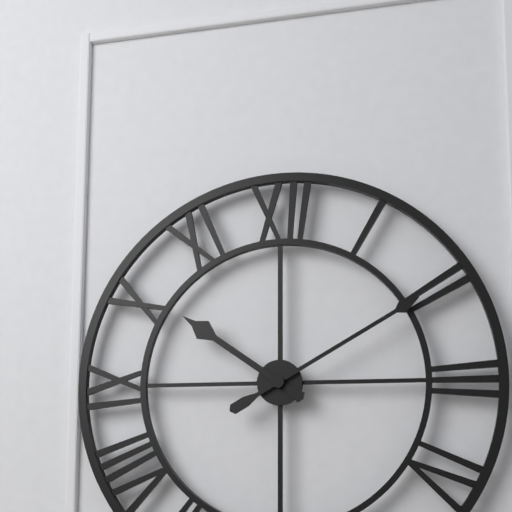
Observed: 10.10
